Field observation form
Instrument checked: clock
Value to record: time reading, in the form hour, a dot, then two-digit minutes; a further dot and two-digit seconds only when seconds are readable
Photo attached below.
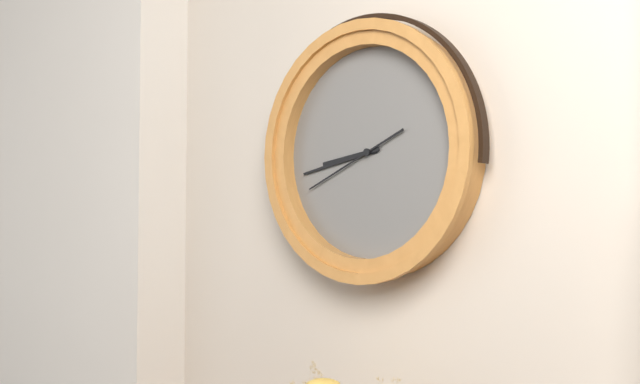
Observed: 8.43.41
